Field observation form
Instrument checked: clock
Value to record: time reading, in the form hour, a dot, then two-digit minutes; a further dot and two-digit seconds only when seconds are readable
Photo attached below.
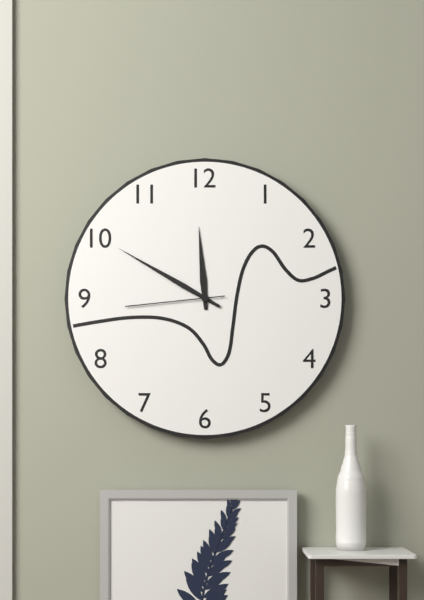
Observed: 11.50.44
